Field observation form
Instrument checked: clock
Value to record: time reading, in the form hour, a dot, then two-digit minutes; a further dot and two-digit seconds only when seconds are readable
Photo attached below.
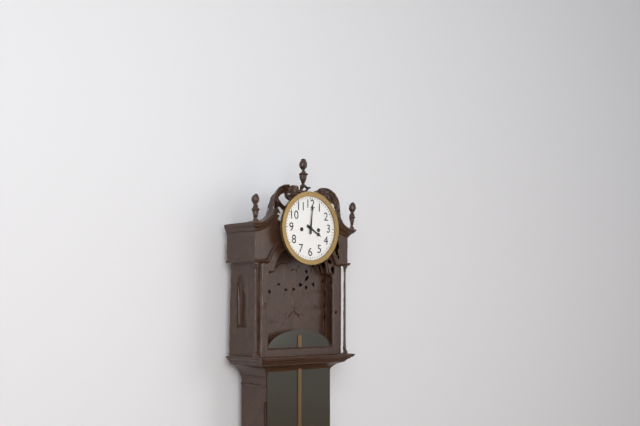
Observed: 4.01
